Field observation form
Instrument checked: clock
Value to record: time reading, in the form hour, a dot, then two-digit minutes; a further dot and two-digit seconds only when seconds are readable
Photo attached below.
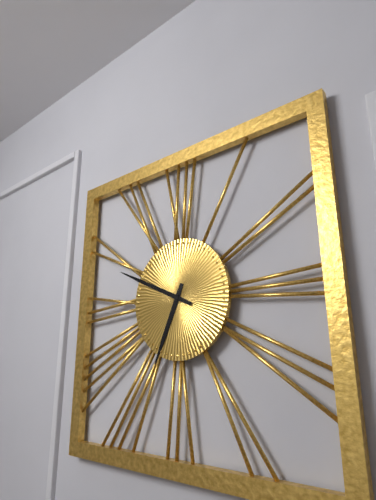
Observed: 6.49
